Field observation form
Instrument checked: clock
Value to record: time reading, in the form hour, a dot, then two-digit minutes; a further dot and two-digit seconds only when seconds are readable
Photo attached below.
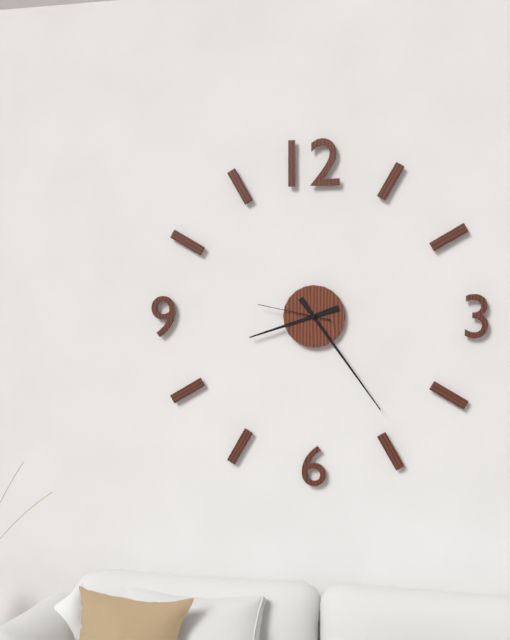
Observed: 8.24.47
